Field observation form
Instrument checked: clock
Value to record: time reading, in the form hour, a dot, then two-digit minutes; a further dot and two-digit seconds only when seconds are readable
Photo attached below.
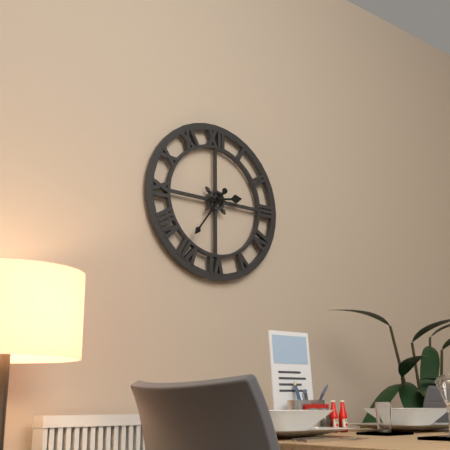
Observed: 2.36
